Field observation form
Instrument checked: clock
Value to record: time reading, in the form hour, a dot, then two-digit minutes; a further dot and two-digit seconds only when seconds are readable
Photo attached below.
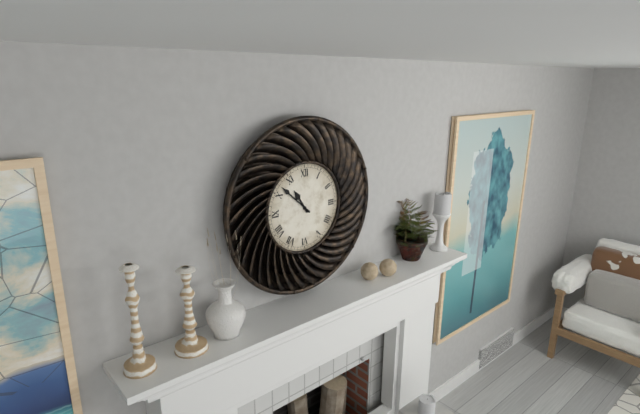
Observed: 10.52
